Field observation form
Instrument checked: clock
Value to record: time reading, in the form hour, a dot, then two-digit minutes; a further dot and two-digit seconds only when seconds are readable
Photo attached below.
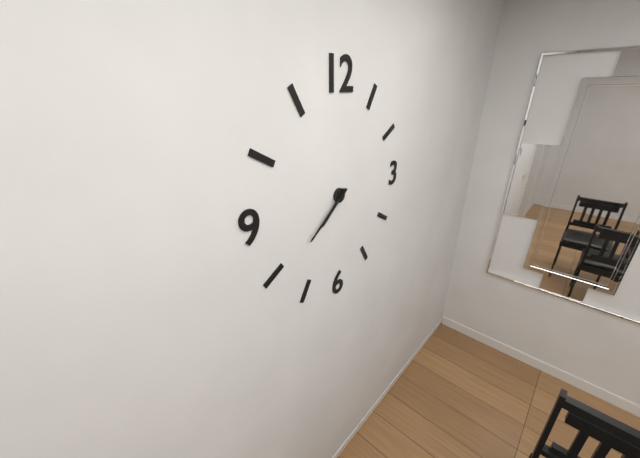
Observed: 7.39
